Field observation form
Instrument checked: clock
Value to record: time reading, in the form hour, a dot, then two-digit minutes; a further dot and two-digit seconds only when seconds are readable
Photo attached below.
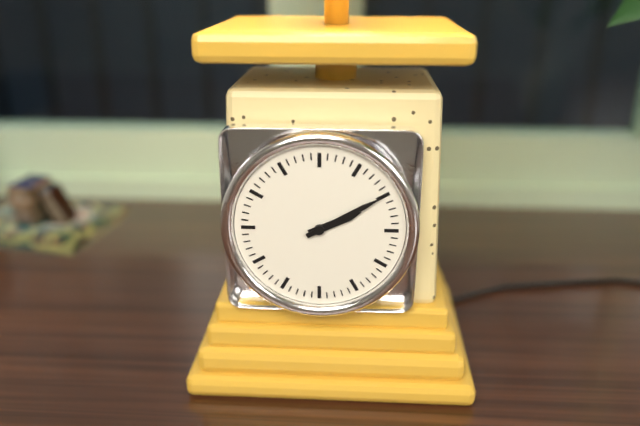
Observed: 2.10
